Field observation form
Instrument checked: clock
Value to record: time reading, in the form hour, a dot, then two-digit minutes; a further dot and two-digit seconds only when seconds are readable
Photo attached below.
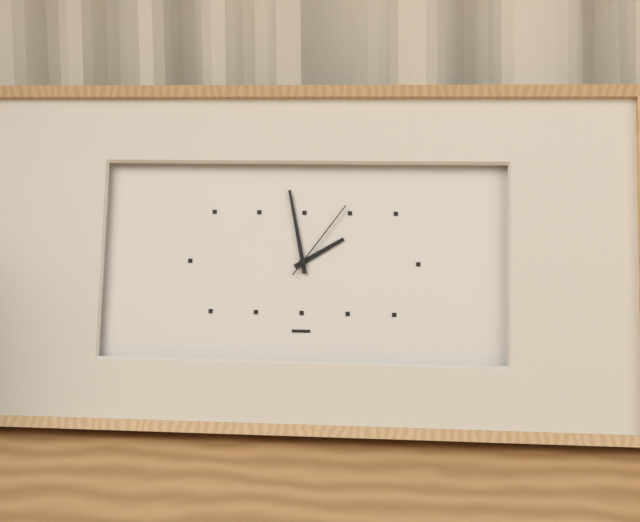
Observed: 1.58.06
